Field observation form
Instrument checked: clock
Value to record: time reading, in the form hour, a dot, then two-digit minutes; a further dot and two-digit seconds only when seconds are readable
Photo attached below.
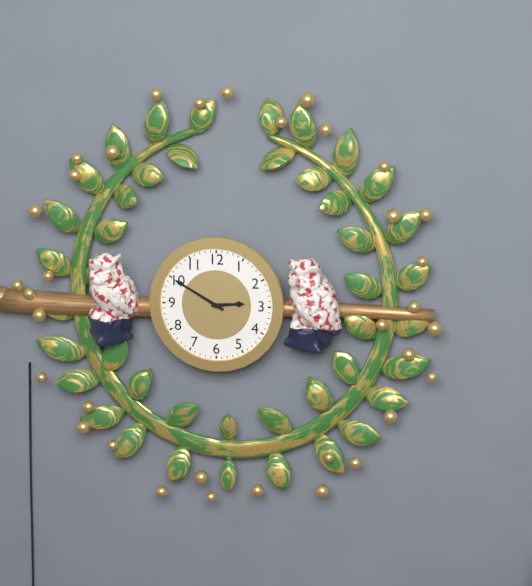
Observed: 2.50
